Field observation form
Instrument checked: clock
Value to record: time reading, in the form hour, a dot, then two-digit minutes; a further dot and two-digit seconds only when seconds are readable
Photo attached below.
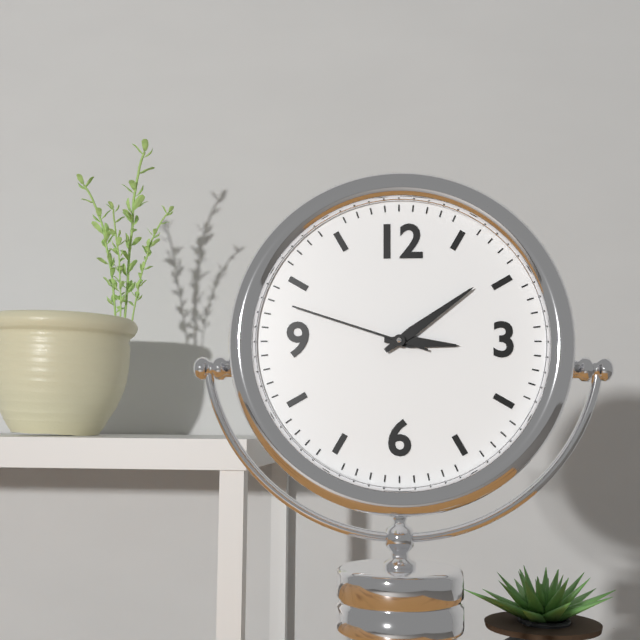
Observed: 3.09.48
